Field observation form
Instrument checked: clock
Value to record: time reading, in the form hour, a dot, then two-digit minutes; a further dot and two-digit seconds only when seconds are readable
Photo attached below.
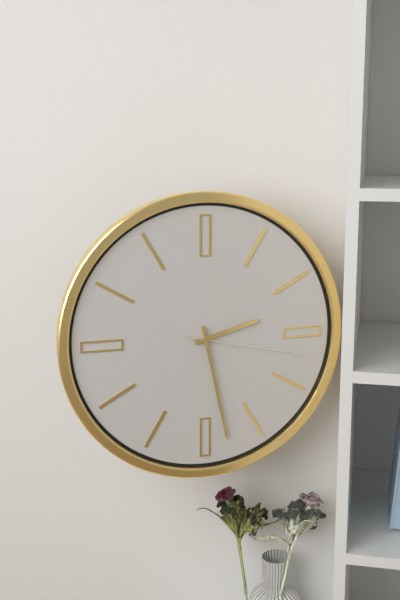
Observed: 2.28.17
